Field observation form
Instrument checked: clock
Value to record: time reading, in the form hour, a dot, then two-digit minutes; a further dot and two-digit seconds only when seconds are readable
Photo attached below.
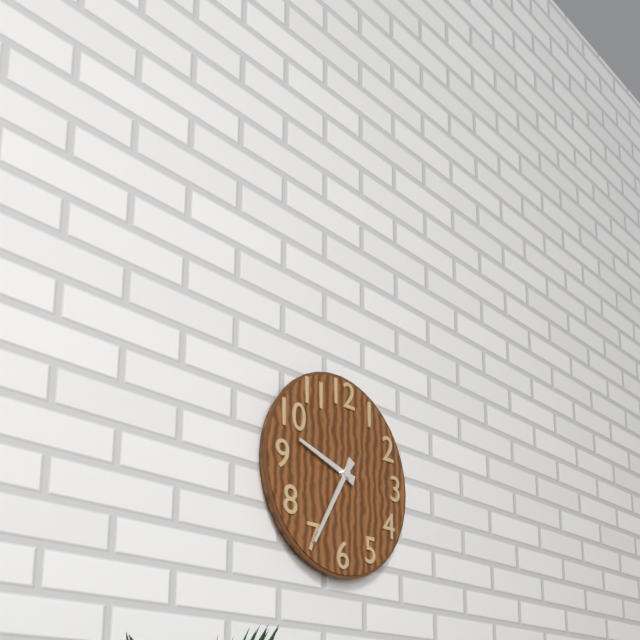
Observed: 9.35
